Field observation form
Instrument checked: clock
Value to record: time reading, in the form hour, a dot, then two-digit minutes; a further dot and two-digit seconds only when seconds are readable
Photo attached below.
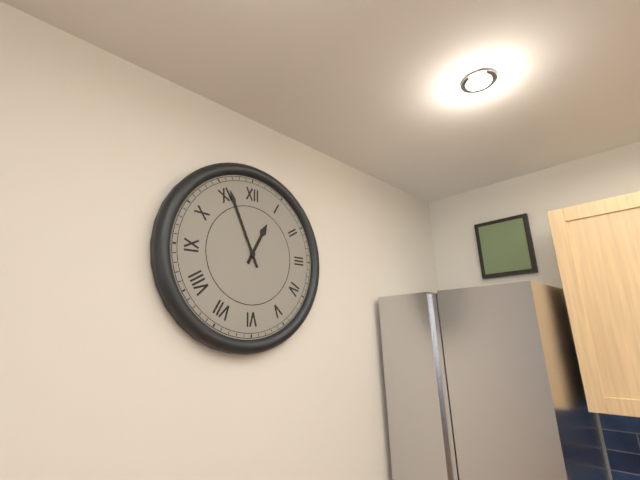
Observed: 12.56
